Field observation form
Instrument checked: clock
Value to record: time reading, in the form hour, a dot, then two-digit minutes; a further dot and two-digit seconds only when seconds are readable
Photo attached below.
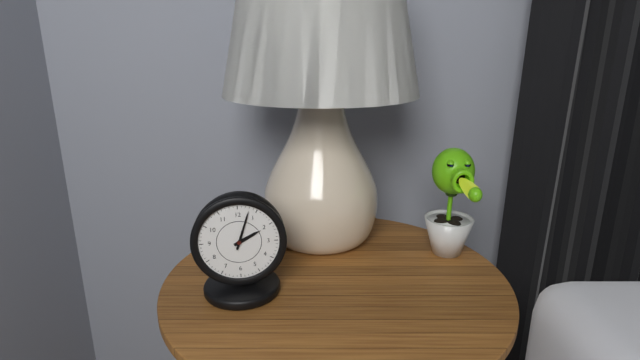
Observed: 2.03
